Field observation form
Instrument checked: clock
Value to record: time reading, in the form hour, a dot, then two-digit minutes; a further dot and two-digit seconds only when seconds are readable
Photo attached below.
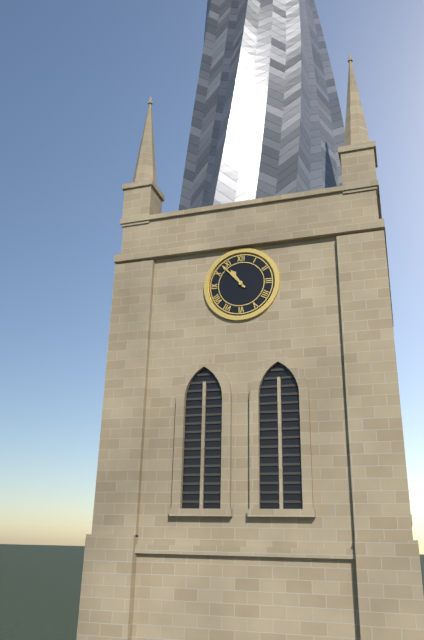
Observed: 10.53
